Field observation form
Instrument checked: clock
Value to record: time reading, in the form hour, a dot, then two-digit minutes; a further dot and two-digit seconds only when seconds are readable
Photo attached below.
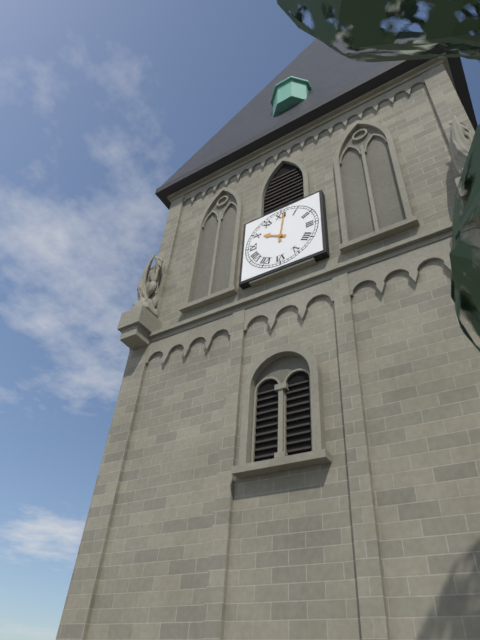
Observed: 10.01
